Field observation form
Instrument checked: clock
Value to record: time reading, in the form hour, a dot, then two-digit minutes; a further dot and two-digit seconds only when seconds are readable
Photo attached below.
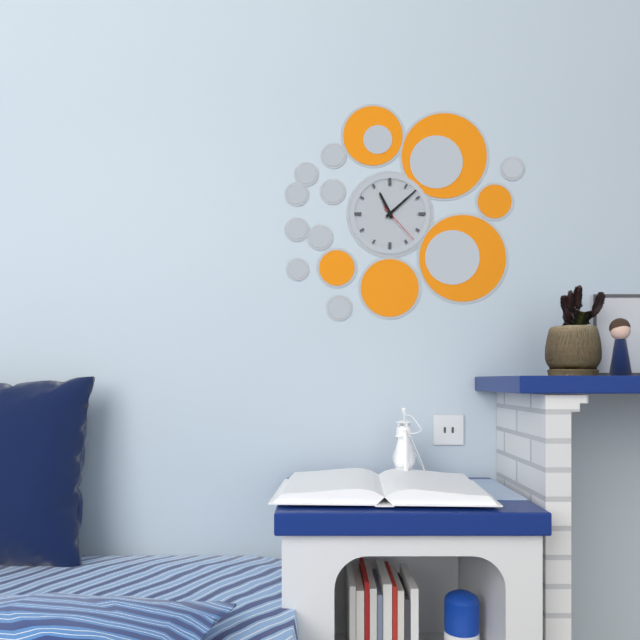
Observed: 11.08
